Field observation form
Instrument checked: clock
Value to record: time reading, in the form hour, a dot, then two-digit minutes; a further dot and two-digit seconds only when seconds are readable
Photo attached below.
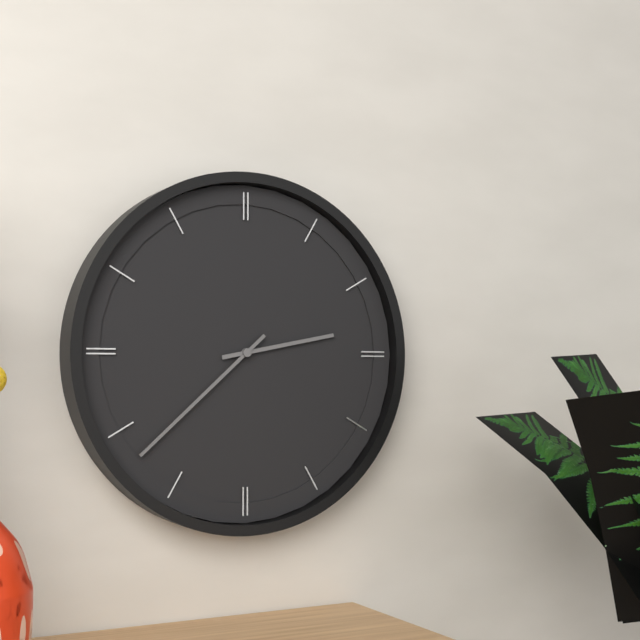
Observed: 2.38
